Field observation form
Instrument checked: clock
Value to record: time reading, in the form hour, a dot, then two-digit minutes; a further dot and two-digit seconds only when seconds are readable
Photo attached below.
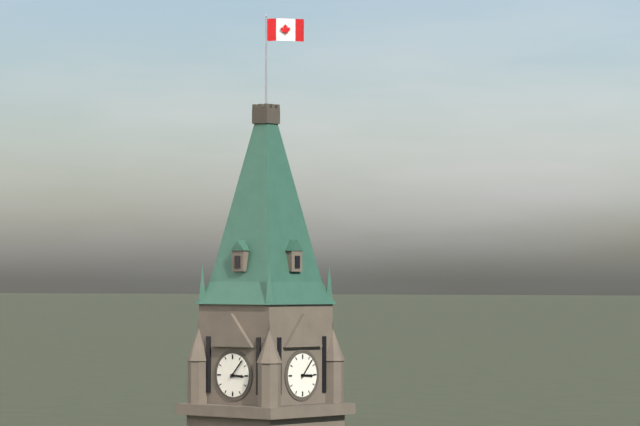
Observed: 3.07
